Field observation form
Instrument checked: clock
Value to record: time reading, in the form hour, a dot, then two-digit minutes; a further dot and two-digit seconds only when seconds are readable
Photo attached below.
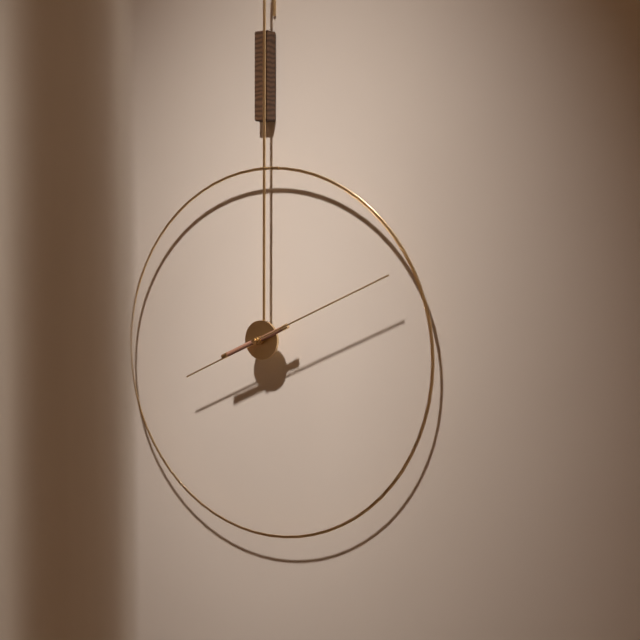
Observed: 8.11
